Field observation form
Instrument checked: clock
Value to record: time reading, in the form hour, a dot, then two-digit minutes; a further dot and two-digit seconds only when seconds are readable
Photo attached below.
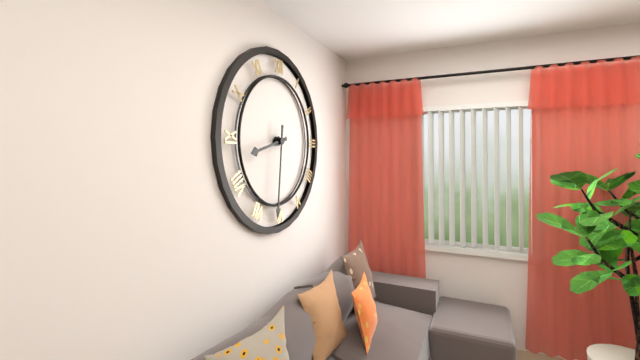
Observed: 8.31
